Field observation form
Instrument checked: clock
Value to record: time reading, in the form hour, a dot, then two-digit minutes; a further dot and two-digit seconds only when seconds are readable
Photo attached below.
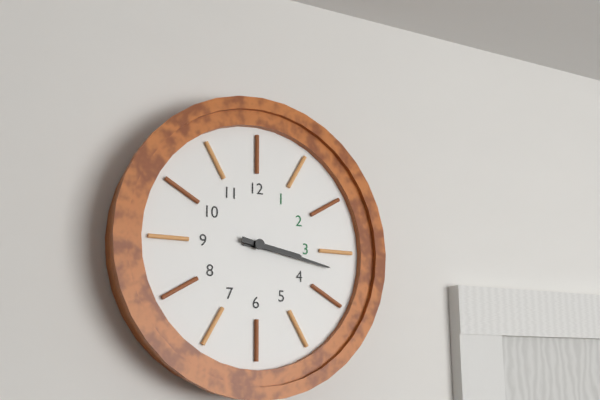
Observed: 3.17
